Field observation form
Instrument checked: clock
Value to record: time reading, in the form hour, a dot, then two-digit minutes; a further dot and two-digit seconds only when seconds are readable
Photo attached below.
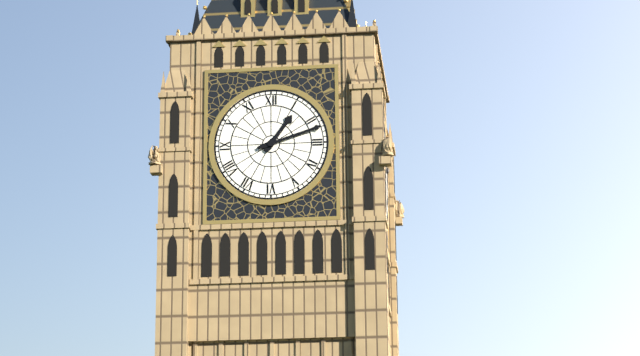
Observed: 1.12
